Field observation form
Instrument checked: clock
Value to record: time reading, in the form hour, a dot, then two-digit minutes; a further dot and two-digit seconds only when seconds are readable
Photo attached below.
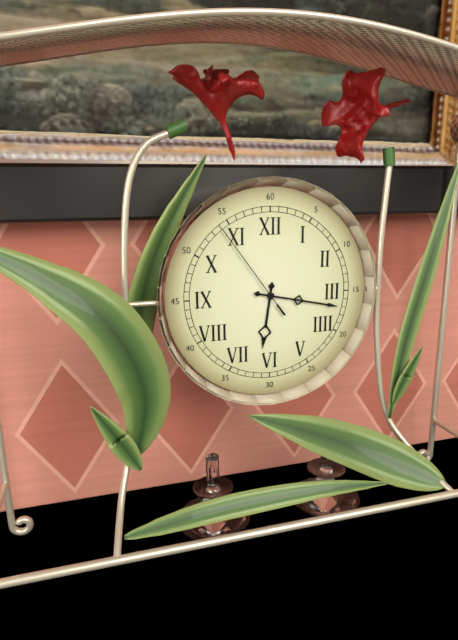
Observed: 6.17.54
